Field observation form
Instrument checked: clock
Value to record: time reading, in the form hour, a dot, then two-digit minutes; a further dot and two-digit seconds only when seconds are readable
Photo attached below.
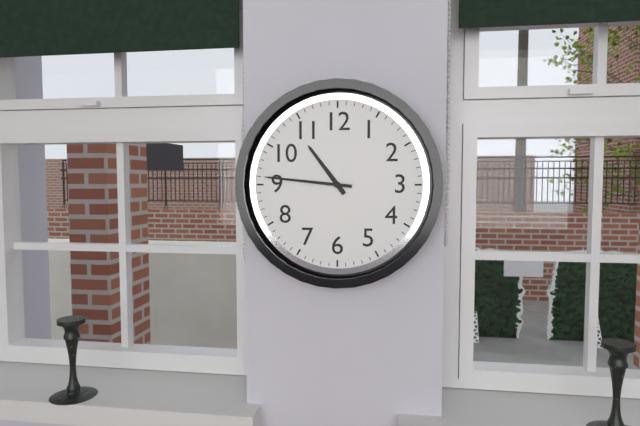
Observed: 10.46
